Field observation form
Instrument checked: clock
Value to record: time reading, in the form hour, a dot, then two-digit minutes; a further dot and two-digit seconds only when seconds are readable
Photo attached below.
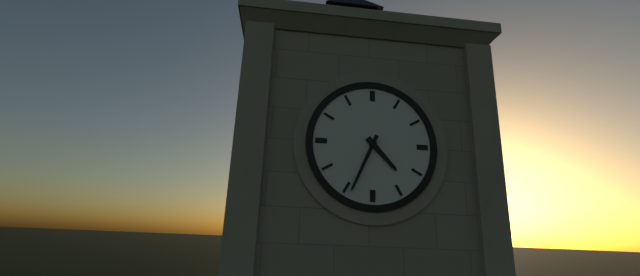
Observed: 4.34
